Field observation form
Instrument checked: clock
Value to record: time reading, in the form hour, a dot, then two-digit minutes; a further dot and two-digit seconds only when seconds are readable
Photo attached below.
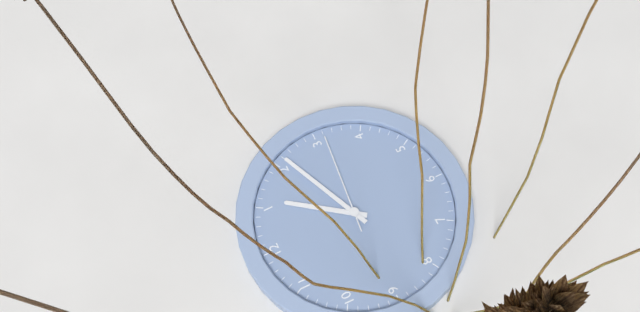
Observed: 1.11.16
